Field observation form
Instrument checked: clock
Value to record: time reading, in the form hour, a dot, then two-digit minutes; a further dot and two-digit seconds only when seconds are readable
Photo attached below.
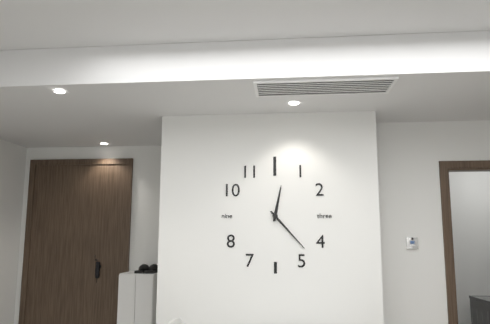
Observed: 12.23
